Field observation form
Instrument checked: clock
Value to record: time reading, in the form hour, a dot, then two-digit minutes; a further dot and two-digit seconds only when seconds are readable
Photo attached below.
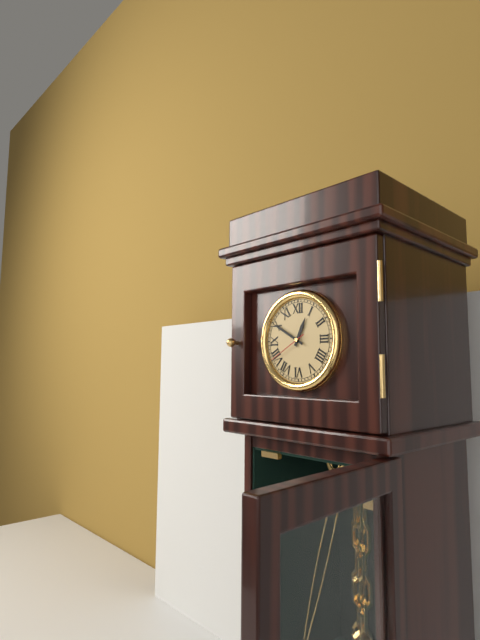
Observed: 12.50
